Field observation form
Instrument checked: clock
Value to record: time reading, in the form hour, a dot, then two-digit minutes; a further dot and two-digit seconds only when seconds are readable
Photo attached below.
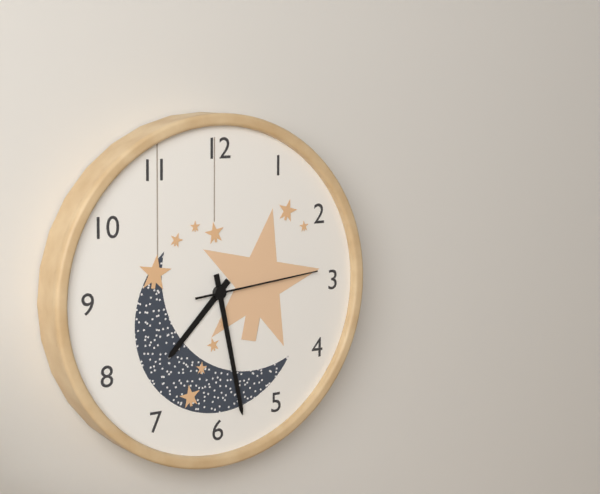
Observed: 7.28.14
